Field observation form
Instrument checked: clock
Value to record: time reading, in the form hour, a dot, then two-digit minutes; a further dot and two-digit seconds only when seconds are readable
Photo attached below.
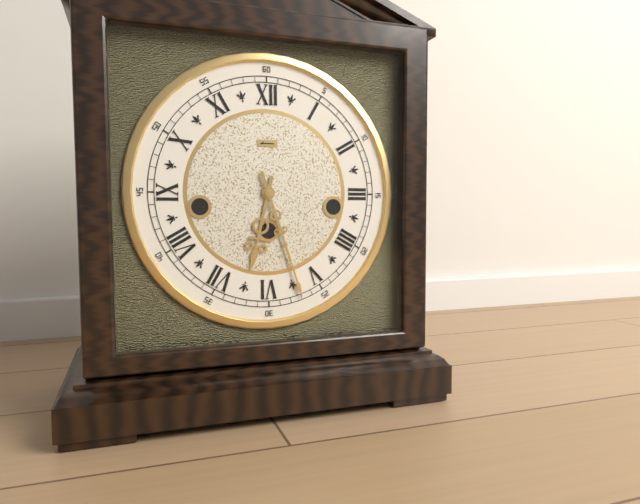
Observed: 6.27
